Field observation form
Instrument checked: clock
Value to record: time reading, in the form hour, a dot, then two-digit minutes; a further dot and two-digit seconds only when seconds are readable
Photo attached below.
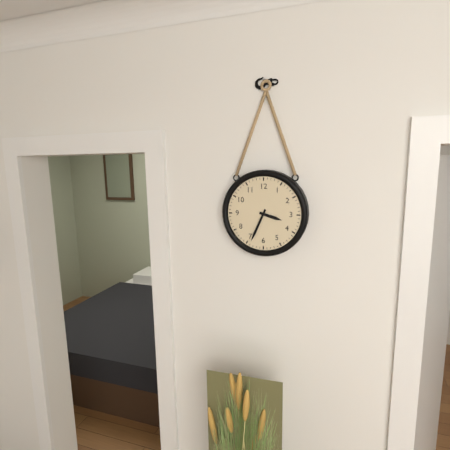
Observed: 3.34
